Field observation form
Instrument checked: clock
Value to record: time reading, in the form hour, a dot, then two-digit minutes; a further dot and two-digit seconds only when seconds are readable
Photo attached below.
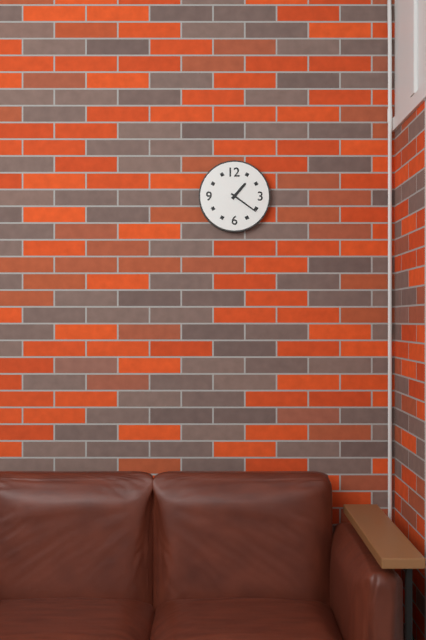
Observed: 1.21
